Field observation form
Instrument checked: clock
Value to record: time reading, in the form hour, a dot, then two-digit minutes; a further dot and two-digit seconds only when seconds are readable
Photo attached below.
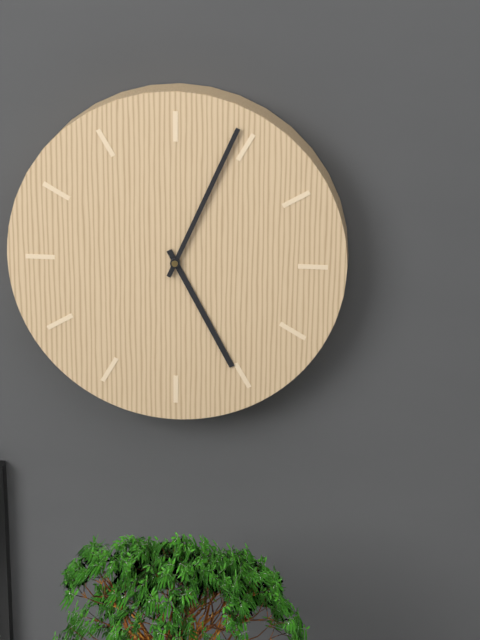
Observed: 5.04
